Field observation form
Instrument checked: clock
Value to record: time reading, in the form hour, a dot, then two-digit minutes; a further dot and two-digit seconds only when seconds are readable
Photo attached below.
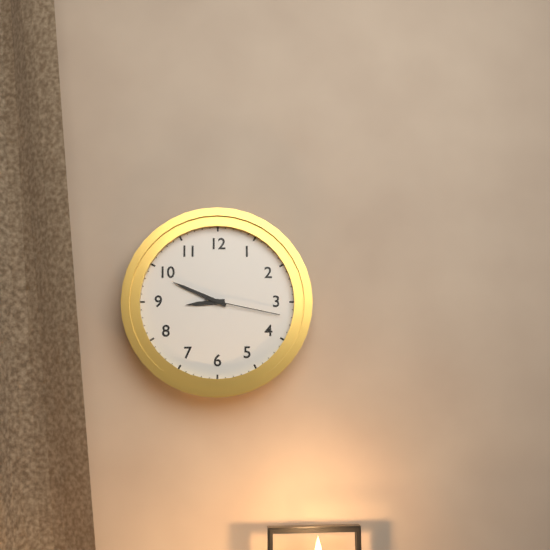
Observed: 8.49.17
